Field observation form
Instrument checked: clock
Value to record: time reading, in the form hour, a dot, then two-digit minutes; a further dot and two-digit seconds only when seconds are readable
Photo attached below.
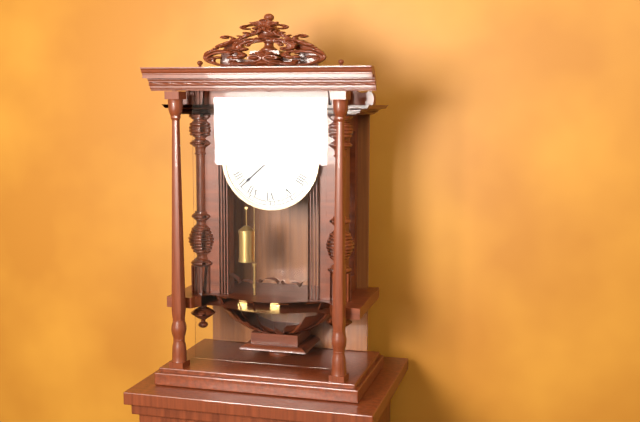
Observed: 1.38
